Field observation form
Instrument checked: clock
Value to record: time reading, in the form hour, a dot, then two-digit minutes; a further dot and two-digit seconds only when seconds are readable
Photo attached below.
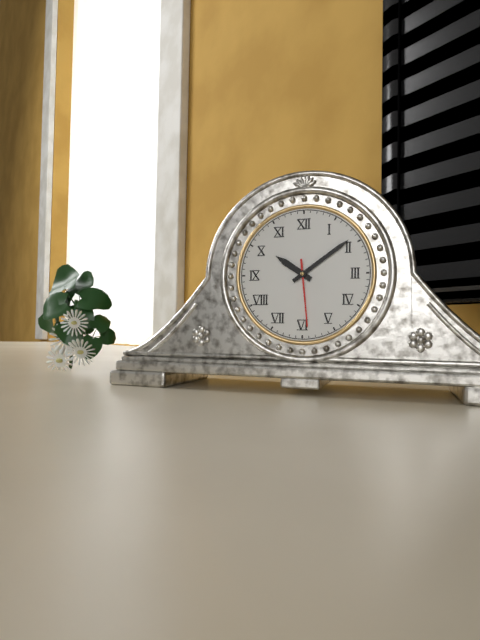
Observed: 10.09.29
